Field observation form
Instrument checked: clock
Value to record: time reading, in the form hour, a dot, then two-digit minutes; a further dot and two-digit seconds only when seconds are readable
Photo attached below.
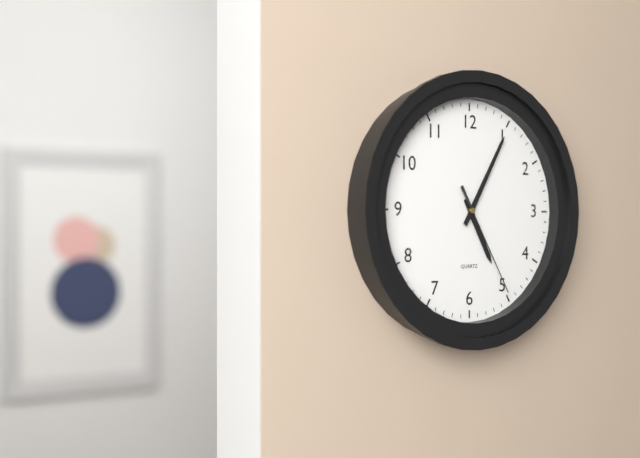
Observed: 5.05.25
